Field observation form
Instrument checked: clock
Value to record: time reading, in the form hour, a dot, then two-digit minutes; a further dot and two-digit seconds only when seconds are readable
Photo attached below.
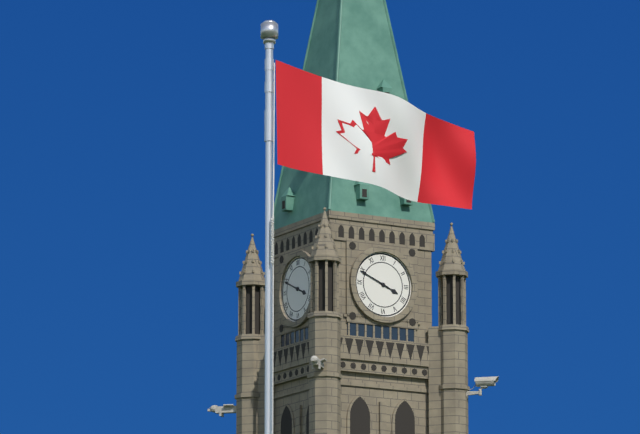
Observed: 3.49
